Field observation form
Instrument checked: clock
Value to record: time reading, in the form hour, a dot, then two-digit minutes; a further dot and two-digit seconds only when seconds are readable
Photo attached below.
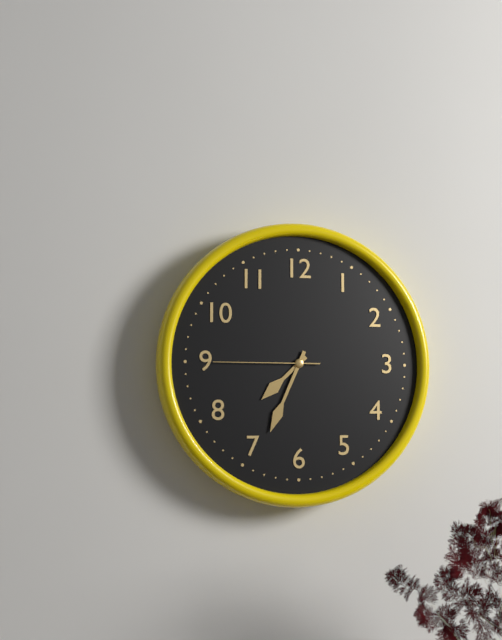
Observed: 7.34.45
